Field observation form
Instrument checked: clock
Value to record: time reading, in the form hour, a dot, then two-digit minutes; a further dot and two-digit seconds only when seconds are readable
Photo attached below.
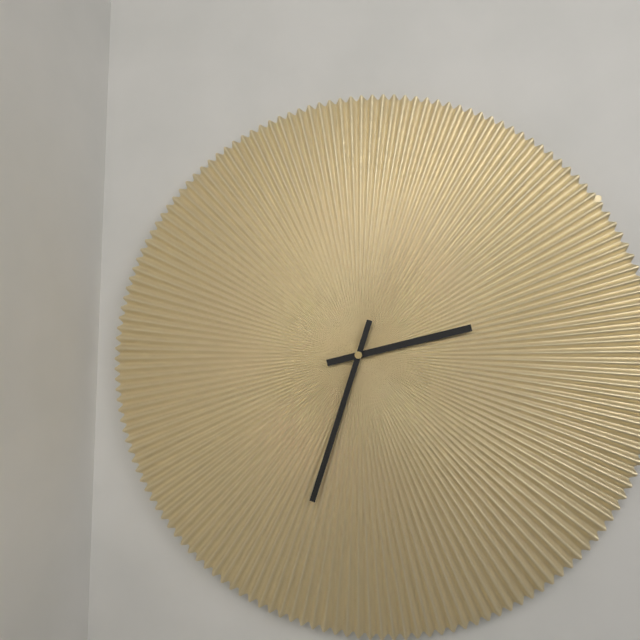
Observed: 2.33
